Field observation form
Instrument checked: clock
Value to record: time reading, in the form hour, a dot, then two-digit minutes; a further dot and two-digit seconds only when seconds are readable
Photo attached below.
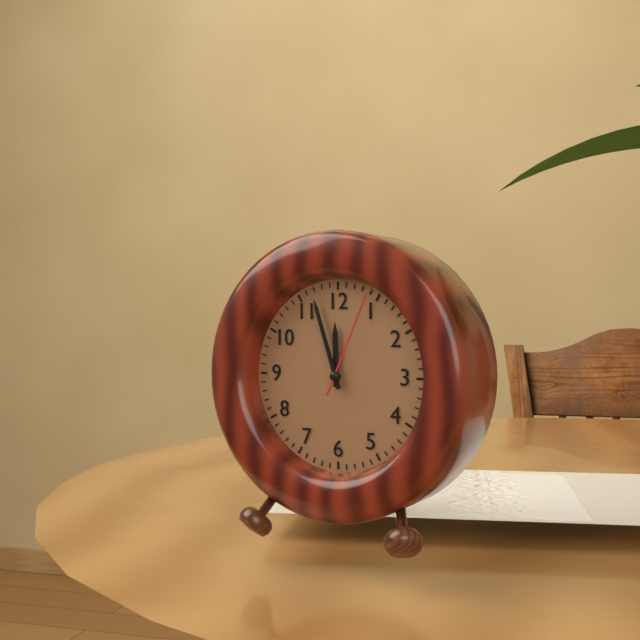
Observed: 11.57.04
